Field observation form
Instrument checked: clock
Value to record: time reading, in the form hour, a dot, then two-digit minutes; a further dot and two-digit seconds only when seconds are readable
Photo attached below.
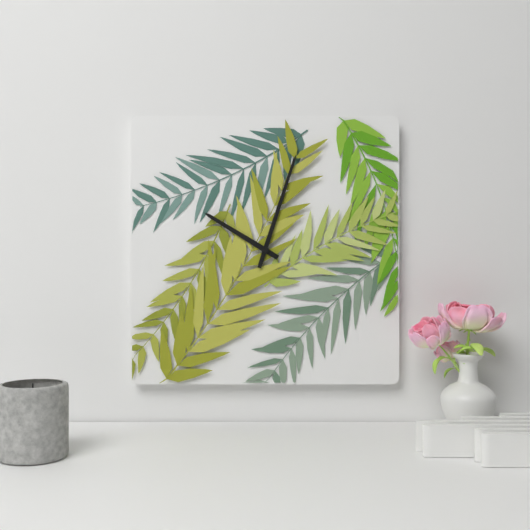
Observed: 10.03
